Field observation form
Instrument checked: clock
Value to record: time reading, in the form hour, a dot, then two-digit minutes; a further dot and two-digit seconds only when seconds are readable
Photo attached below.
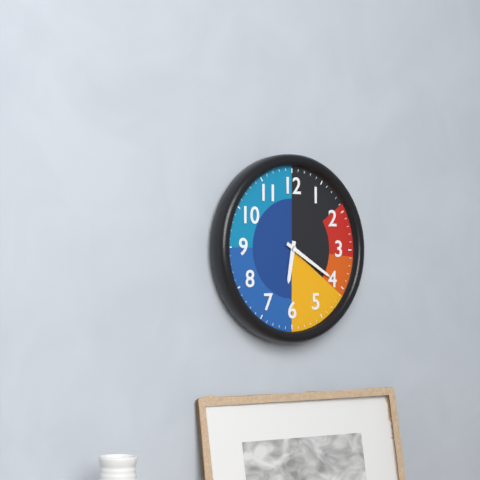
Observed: 6.20
